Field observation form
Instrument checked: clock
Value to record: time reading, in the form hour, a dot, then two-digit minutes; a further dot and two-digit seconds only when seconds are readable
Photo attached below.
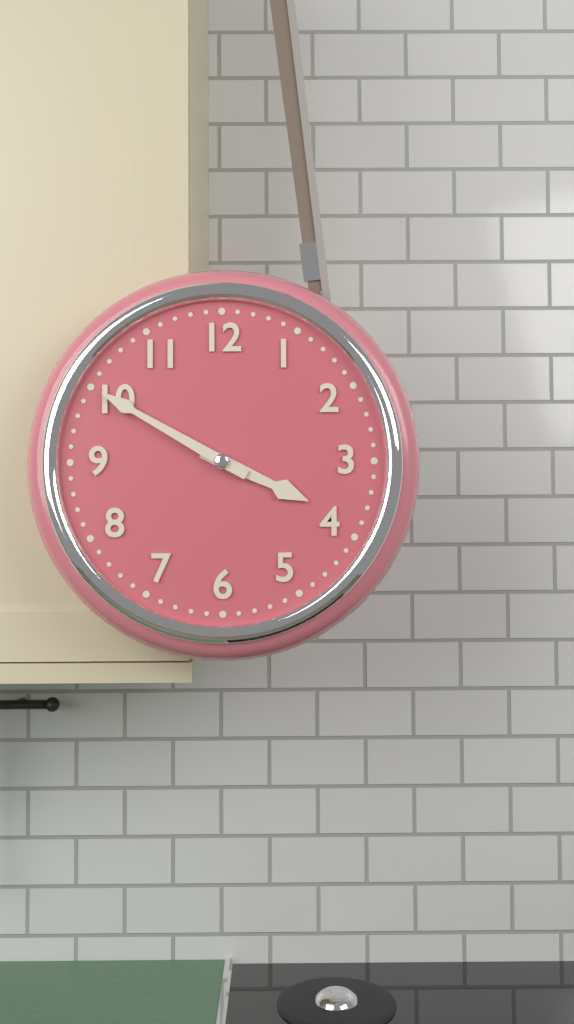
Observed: 3.50
